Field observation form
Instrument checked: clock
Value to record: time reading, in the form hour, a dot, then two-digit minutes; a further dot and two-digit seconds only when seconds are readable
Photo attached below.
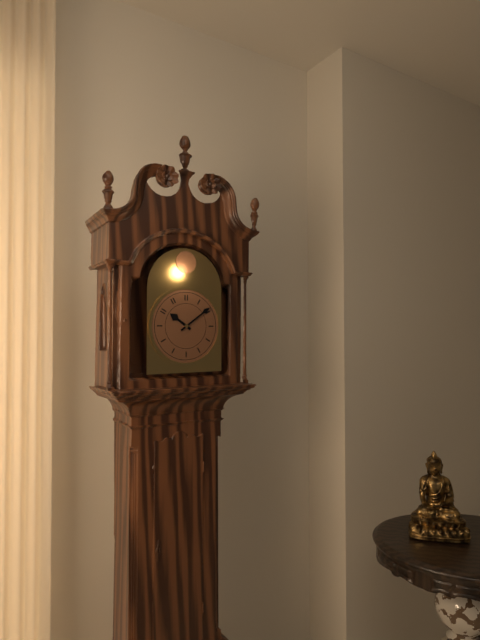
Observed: 10.09
